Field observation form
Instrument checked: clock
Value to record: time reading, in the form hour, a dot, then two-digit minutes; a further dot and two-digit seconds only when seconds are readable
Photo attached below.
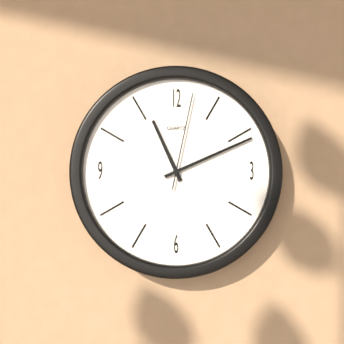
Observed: 11.11.02
